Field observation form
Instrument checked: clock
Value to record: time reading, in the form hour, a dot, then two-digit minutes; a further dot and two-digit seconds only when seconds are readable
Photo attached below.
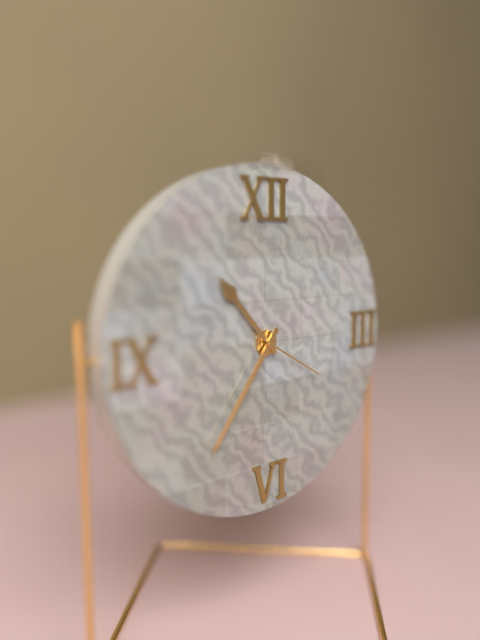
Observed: 10.36.20
